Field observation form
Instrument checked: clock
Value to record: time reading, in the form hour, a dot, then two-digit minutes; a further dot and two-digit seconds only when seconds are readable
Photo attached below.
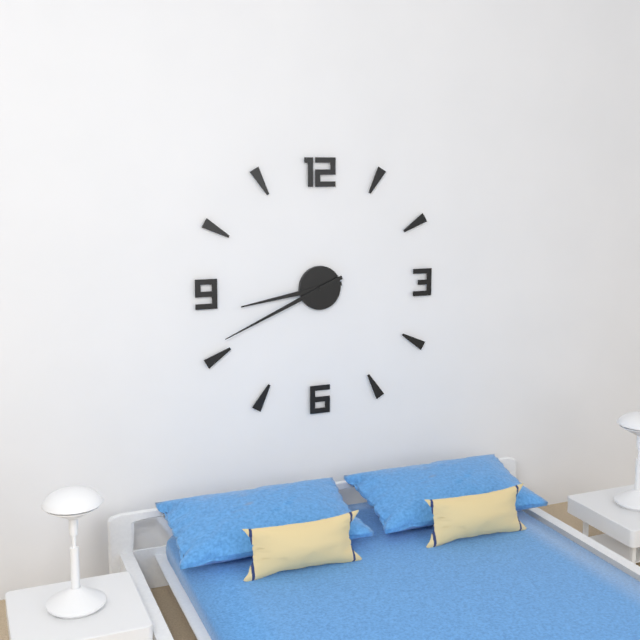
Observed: 8.41
